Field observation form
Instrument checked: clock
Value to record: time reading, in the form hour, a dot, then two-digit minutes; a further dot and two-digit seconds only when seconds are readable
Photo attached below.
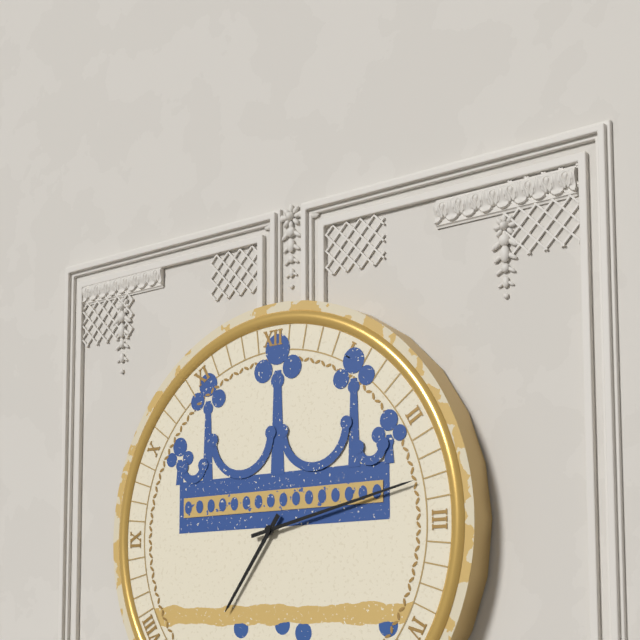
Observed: 7.13
